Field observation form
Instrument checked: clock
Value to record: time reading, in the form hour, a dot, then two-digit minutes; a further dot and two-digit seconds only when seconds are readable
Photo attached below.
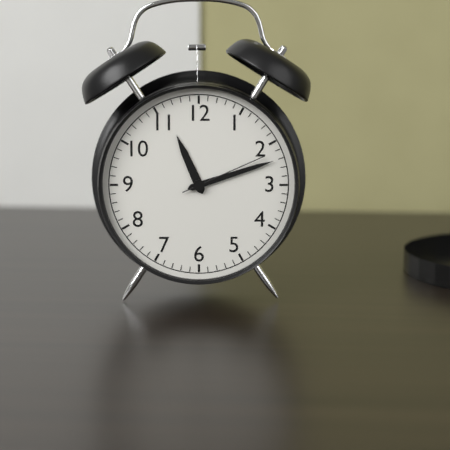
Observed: 11.12.11
